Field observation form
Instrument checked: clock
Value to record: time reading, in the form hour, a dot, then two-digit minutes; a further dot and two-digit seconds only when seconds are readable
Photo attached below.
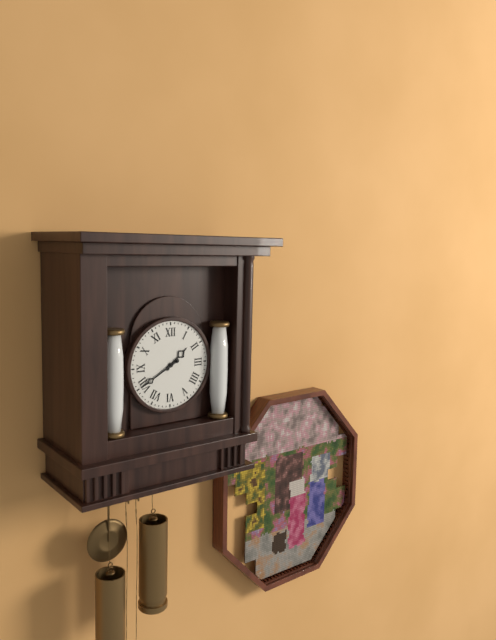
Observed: 1.40
